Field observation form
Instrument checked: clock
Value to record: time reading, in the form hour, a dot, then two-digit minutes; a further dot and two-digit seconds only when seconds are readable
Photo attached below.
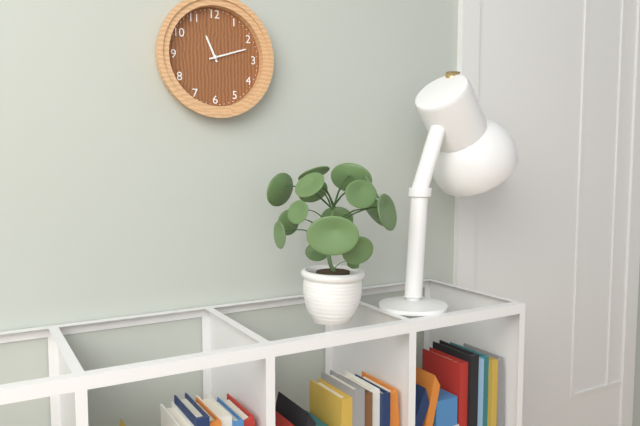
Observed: 11.12
